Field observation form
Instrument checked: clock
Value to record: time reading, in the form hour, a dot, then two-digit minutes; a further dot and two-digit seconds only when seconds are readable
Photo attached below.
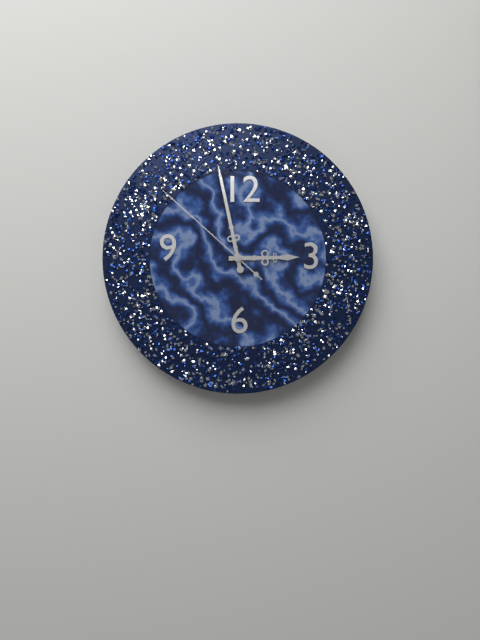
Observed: 2.58.52
